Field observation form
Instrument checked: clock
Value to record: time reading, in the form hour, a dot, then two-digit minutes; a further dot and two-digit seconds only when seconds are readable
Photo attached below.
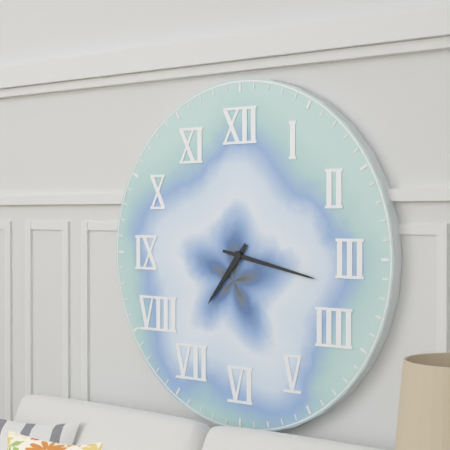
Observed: 7.17
